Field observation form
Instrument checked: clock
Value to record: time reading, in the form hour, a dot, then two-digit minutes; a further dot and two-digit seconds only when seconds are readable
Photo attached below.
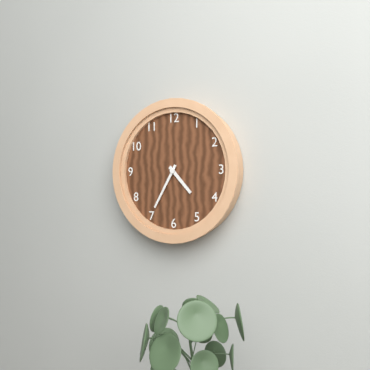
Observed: 4.35
